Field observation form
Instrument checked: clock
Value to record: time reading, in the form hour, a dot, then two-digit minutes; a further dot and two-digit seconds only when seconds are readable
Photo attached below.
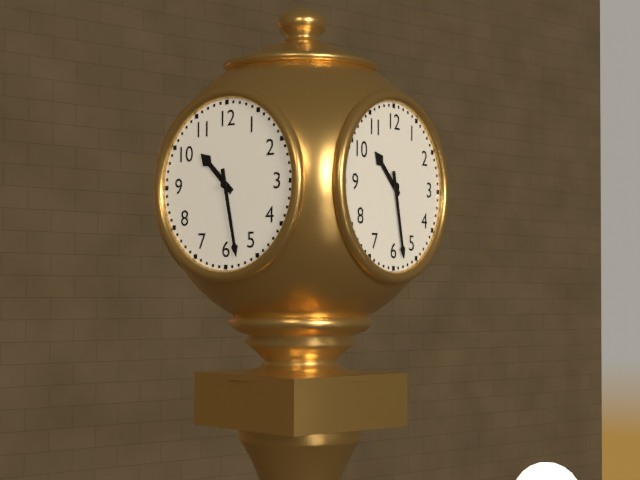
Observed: 10.28
